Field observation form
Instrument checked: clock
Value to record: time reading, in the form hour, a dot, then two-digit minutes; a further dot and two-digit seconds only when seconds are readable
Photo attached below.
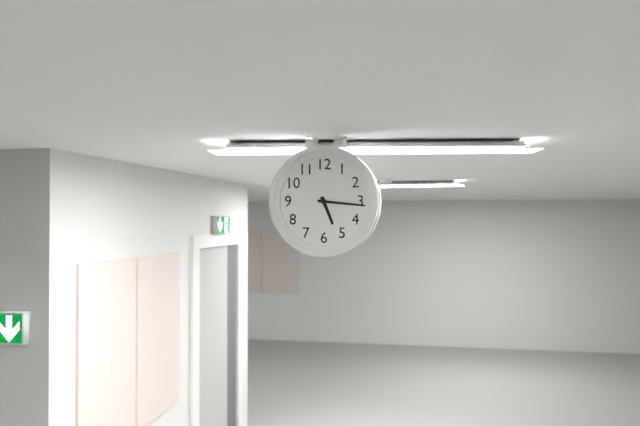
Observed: 5.16
